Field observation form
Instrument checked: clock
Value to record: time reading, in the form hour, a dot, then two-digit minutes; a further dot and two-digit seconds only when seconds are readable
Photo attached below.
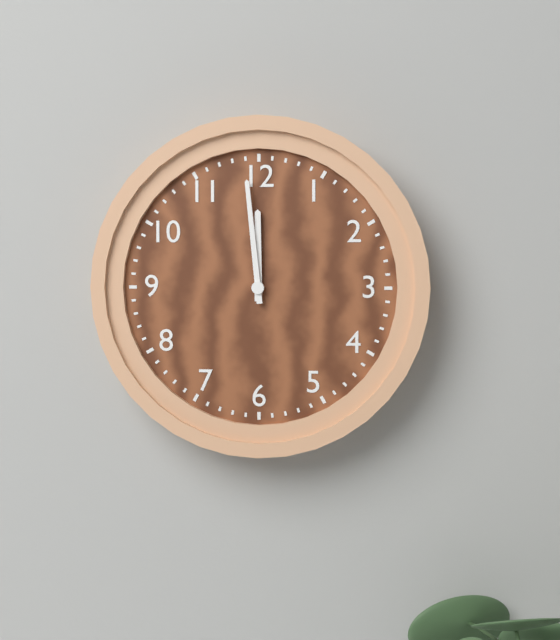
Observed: 11.59
